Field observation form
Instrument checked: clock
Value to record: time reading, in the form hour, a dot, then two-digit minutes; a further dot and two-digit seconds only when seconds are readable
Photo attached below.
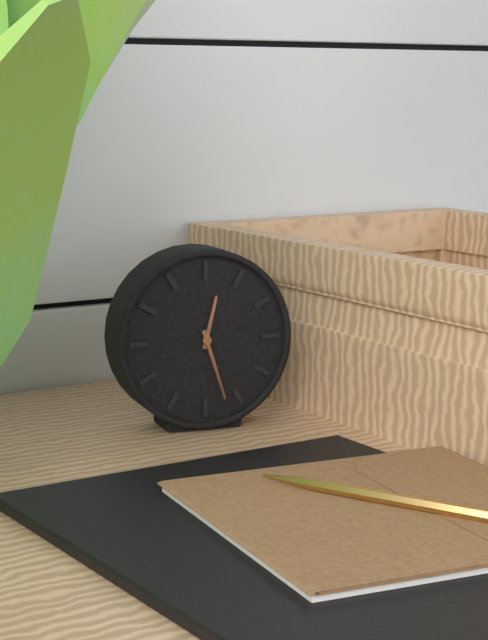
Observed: 12.27
